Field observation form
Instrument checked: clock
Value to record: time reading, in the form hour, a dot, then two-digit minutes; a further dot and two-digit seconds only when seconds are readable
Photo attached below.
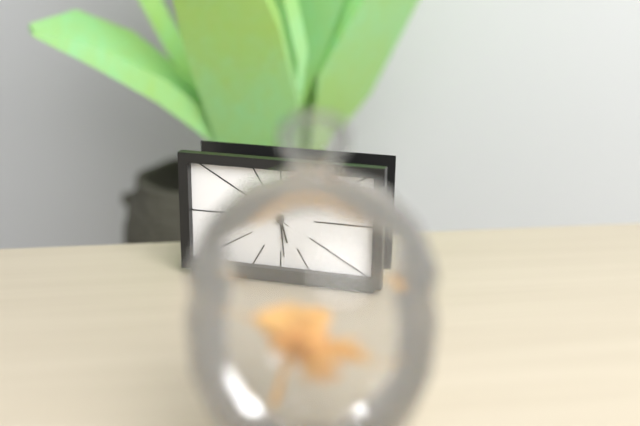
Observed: 5.29.50
